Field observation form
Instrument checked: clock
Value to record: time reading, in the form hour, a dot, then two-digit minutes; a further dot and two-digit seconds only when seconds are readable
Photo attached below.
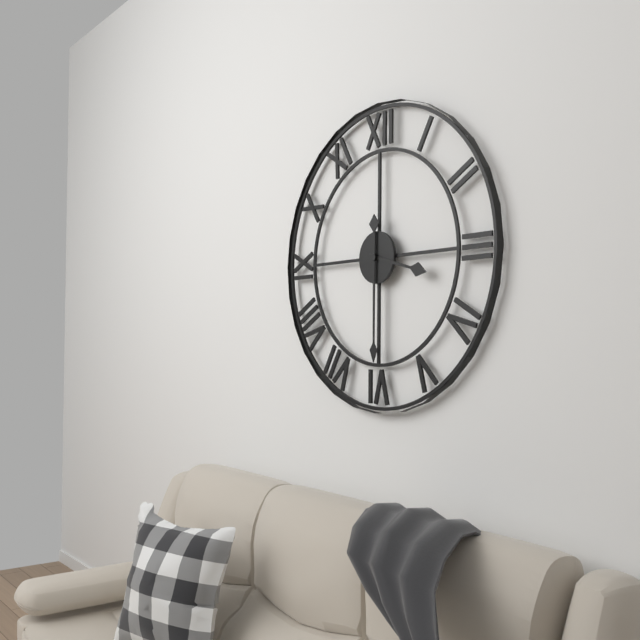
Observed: 3.30
